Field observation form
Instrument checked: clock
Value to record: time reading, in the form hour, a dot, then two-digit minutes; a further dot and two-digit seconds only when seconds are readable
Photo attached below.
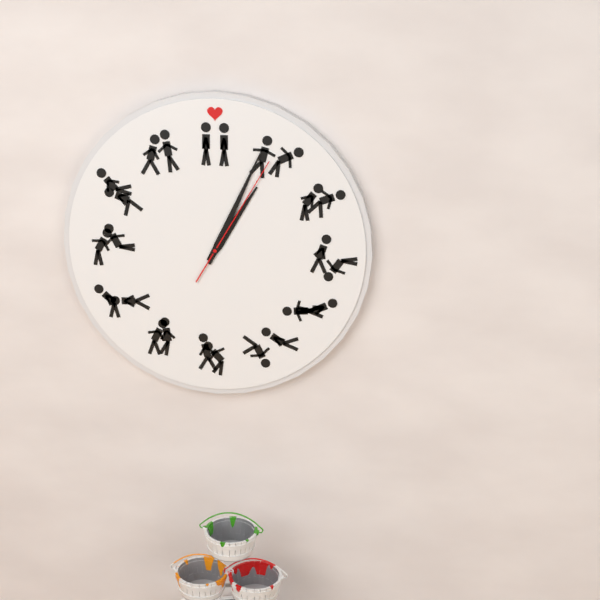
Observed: 1.04.05
